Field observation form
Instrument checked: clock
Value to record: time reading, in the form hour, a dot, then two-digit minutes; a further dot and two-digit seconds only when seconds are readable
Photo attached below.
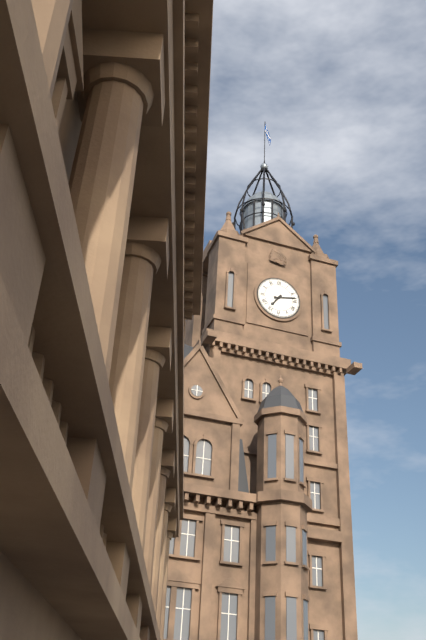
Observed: 7.13
